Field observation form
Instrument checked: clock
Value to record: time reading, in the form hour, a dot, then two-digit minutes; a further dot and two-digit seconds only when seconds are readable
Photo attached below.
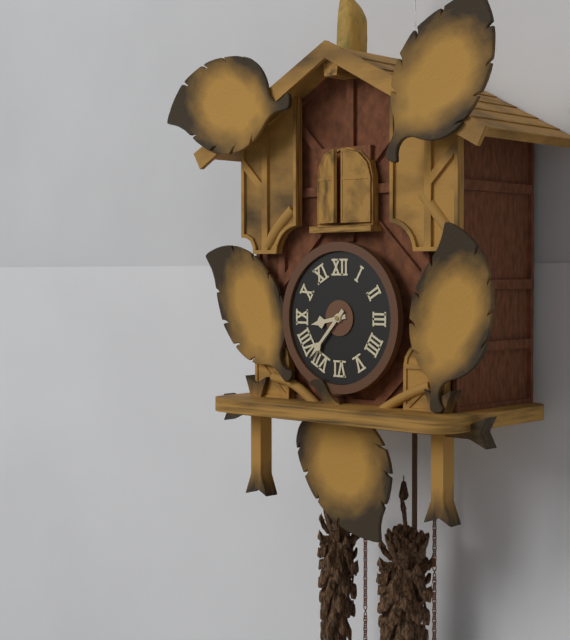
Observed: 8.37
